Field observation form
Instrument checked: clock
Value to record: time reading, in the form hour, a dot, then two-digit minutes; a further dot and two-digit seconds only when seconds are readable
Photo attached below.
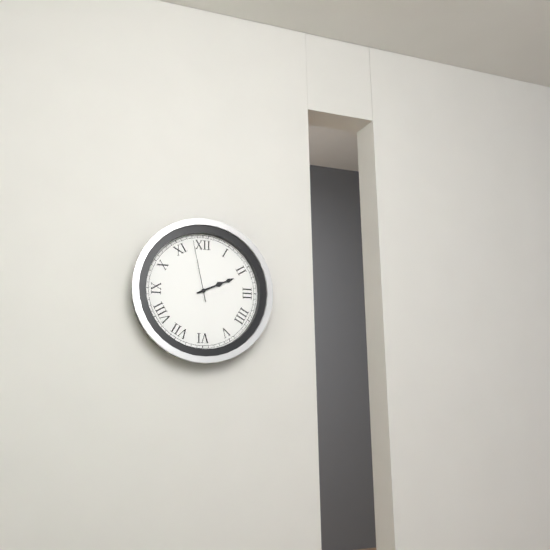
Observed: 2.11.58
